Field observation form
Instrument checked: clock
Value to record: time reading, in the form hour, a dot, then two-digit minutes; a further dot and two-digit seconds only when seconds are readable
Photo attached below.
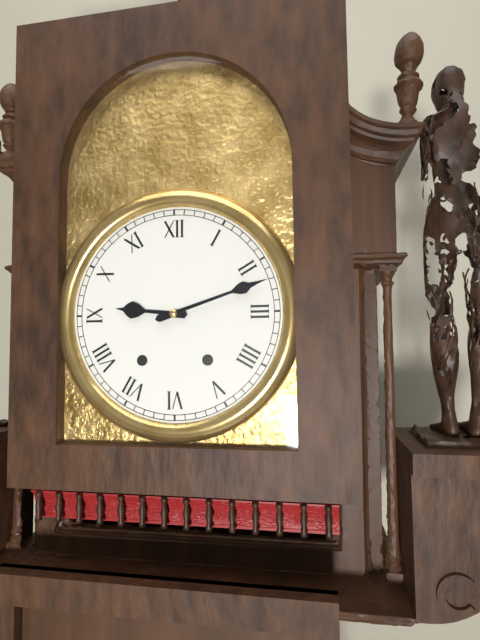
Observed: 9.12
